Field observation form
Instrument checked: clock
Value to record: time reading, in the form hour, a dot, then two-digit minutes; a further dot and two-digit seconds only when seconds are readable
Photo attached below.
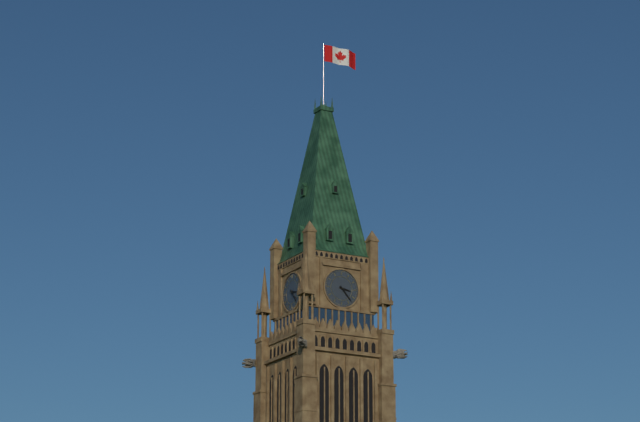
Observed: 3.23
